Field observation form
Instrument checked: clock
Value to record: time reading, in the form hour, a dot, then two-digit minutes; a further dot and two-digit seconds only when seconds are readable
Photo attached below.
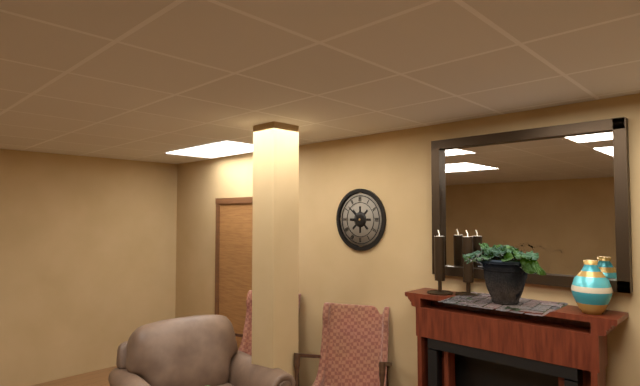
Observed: 8.52
